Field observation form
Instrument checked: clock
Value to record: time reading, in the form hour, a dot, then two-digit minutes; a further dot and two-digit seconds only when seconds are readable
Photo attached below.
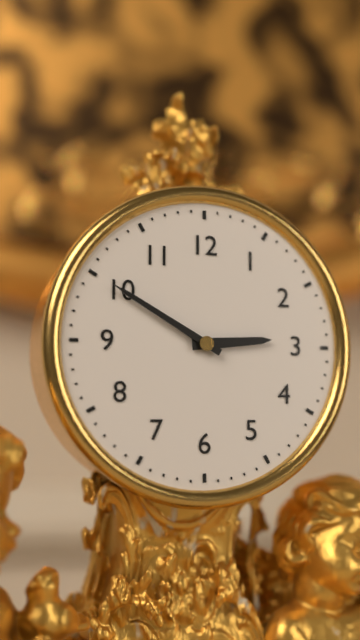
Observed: 2.50
